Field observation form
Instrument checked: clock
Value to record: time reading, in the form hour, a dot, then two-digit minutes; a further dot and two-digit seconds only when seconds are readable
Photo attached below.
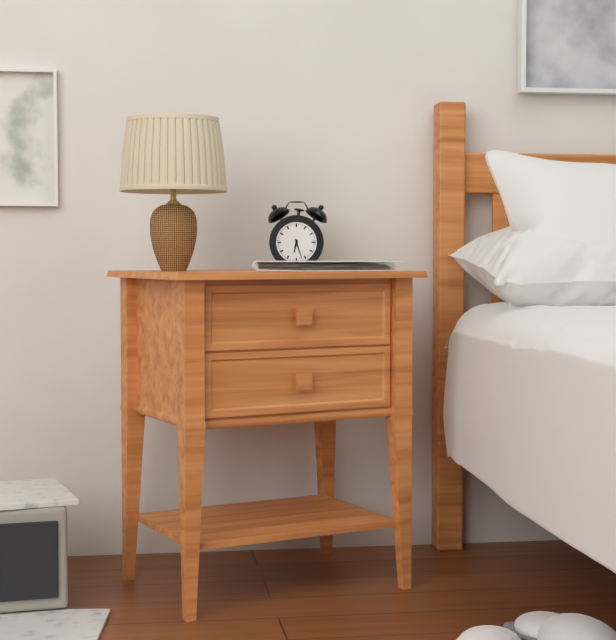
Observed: 6.27
